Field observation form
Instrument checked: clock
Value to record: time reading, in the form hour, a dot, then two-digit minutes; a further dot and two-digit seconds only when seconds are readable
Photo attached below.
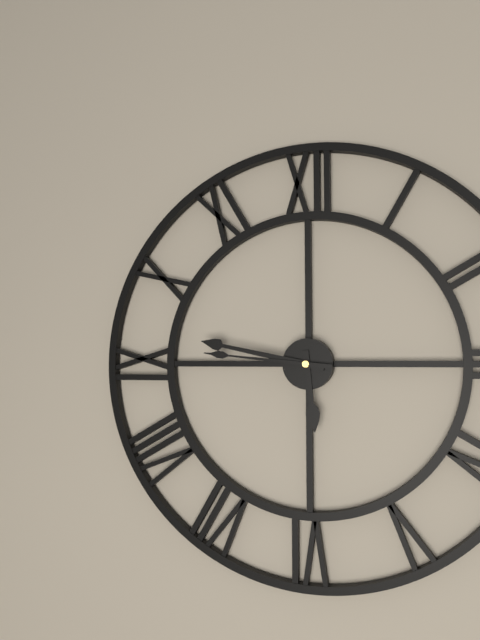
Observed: 5.47.46
